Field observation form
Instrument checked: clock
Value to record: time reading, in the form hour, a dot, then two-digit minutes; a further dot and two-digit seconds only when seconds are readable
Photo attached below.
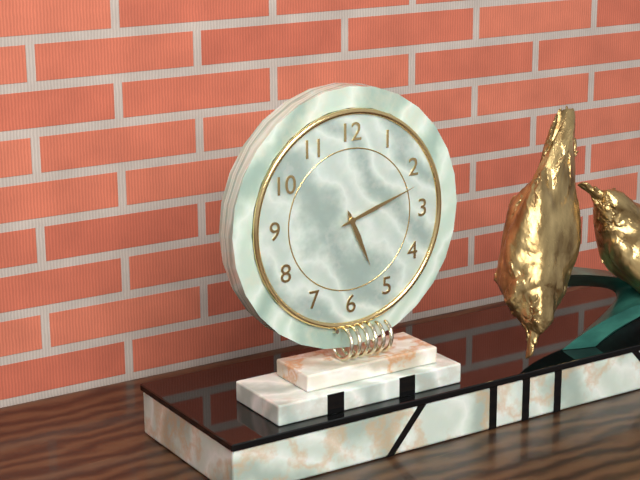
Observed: 5.12
